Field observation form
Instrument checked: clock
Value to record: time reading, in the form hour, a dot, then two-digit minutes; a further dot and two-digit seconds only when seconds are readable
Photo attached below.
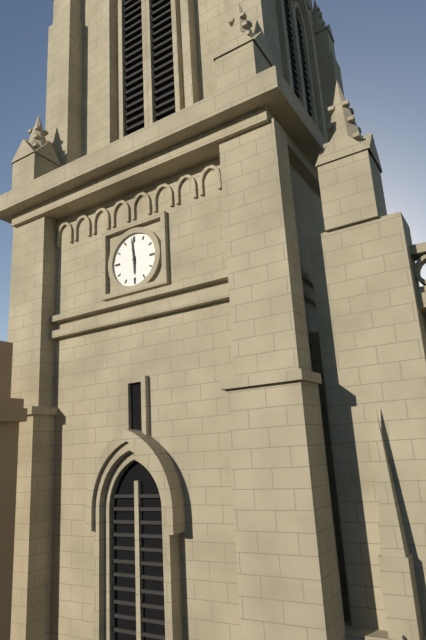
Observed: 5.59
